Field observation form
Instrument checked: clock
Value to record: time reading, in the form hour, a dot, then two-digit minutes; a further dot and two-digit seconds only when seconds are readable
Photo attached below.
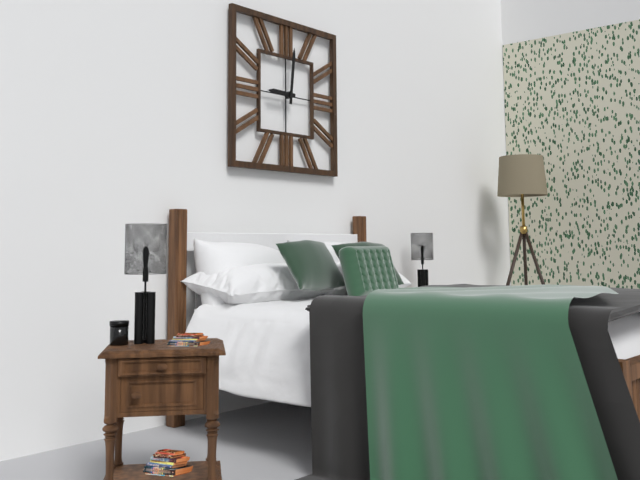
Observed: 9.01
